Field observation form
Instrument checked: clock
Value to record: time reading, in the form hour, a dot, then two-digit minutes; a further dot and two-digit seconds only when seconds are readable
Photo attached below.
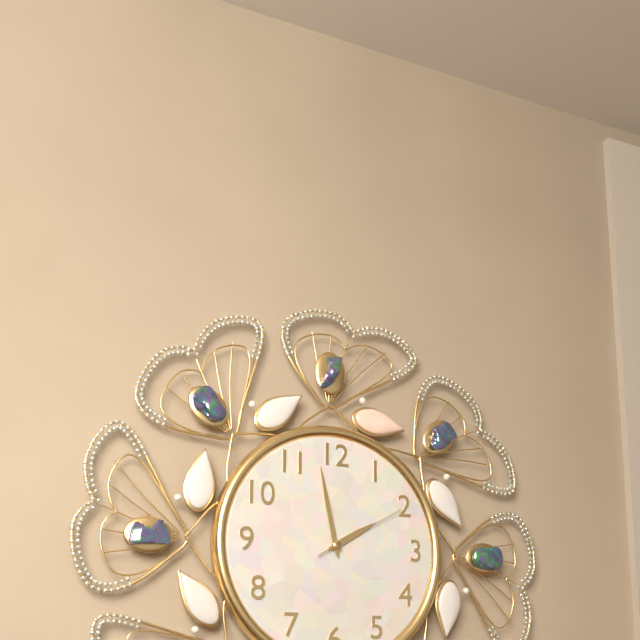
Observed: 1.58.10
